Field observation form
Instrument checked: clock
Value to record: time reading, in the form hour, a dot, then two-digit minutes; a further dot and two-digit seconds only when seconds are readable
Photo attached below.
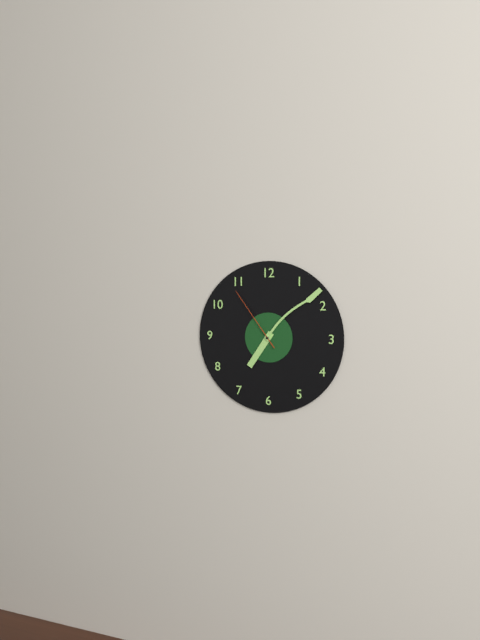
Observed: 7.08.54
